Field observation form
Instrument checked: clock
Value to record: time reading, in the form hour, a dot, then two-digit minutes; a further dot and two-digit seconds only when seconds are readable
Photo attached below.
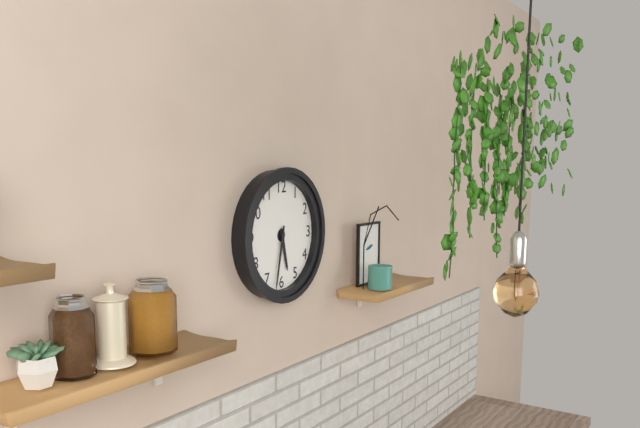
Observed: 5.32
